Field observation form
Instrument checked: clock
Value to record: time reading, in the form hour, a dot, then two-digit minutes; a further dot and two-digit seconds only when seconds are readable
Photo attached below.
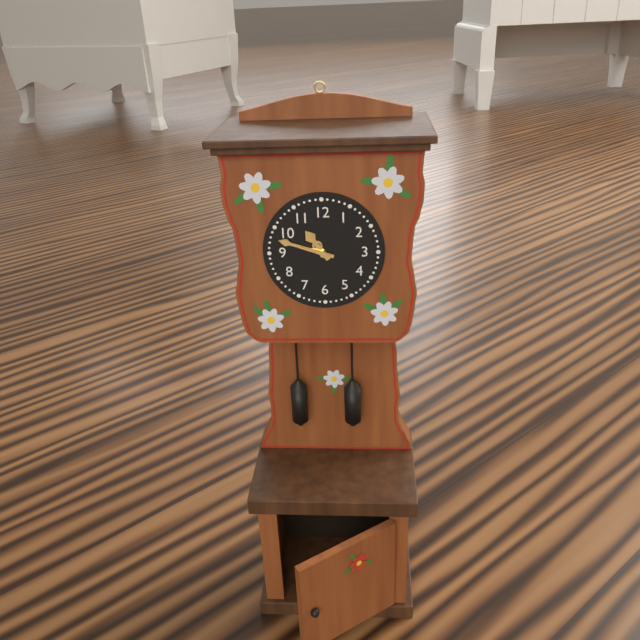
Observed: 10.48
